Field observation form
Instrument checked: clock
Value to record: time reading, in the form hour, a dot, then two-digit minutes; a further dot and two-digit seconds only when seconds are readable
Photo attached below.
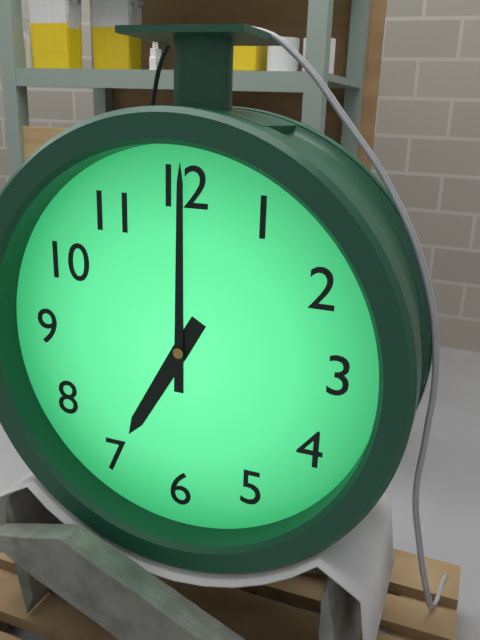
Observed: 7.00
